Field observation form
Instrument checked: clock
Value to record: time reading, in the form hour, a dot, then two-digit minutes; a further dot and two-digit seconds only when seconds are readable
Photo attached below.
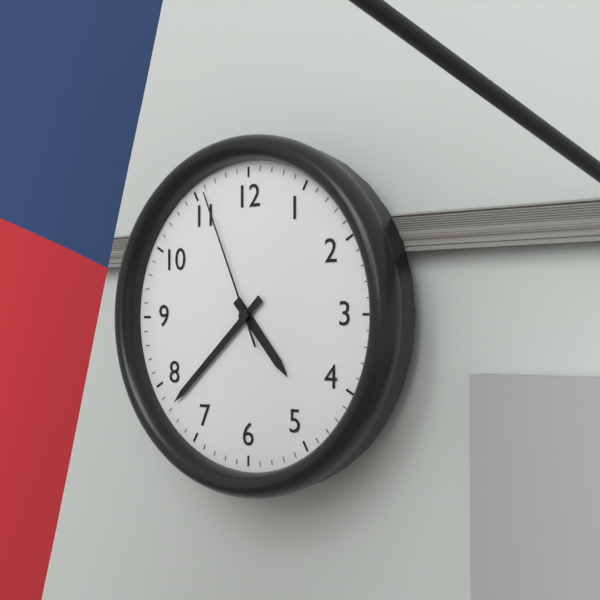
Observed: 4.38.56
